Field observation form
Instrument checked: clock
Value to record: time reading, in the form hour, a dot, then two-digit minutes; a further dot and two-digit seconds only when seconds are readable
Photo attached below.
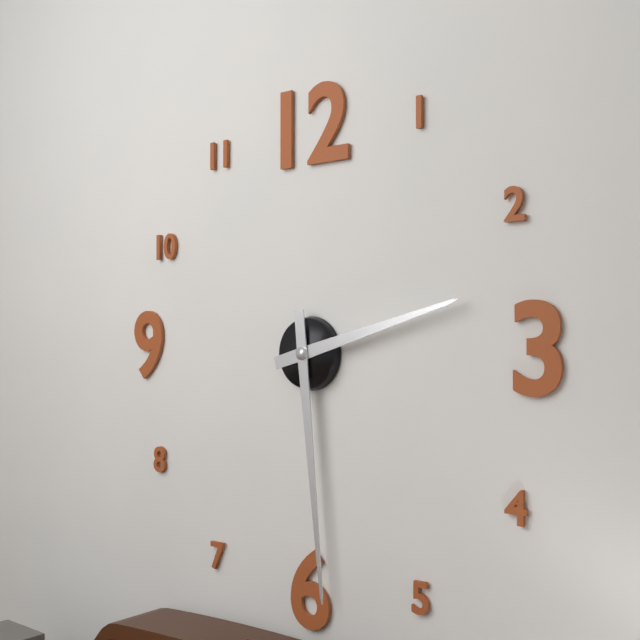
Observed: 2.29
